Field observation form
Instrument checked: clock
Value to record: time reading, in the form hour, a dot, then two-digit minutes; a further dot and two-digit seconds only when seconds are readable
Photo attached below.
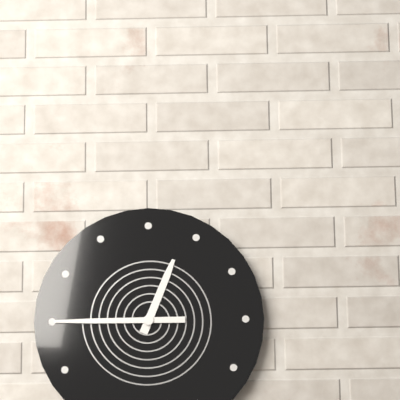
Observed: 12.45
